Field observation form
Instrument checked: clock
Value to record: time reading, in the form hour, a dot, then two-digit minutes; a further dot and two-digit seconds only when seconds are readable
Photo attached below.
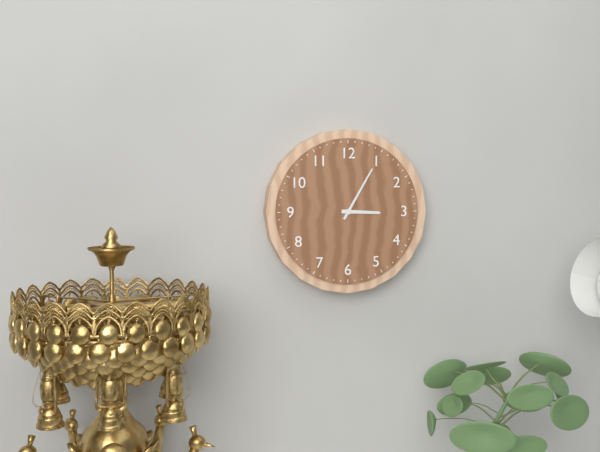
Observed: 3.05
